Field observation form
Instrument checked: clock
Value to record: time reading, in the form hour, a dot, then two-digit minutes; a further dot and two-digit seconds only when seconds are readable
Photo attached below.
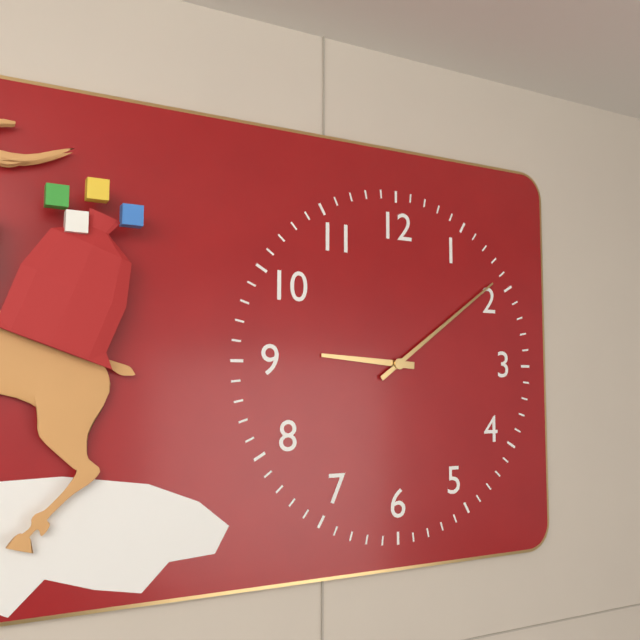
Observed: 9.09
